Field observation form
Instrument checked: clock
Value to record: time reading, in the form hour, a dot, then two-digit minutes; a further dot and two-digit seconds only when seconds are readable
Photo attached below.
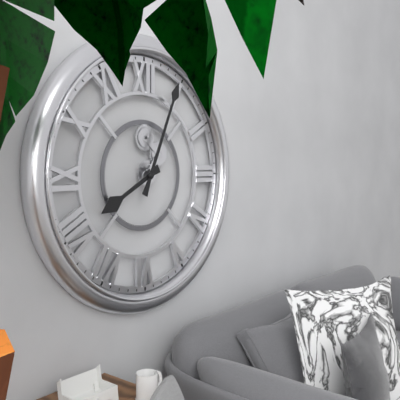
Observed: 8.04
